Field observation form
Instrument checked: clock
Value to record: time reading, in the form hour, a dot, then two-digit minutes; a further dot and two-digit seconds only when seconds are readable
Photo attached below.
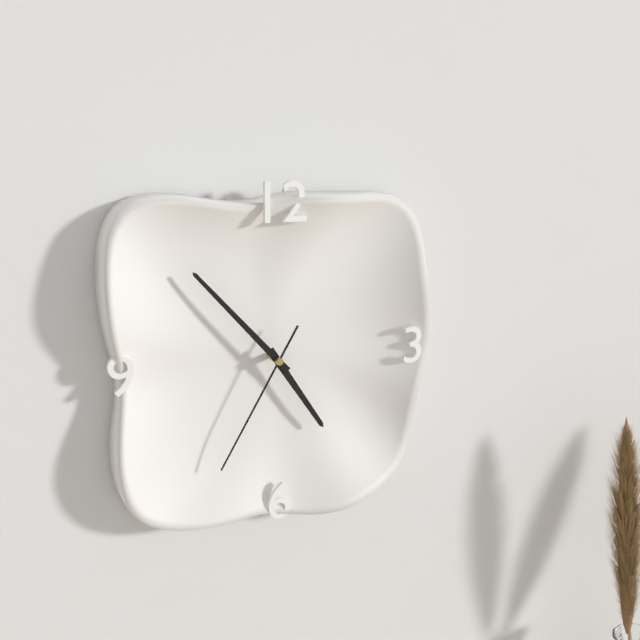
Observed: 4.53.35
